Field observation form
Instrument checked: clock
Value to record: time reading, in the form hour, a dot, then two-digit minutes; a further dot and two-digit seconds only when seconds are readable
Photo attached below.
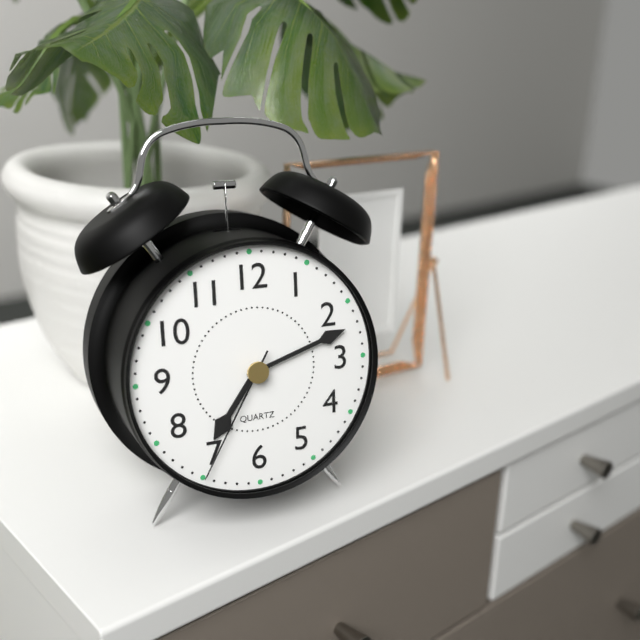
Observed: 7.12.35
